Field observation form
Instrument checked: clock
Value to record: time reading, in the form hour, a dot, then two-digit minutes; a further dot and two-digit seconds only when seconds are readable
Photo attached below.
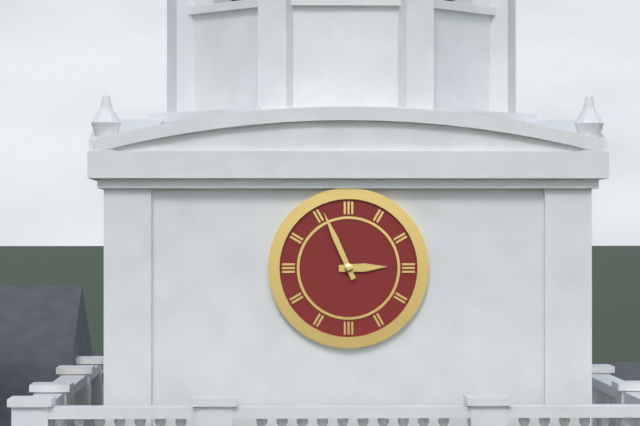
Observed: 2.56
